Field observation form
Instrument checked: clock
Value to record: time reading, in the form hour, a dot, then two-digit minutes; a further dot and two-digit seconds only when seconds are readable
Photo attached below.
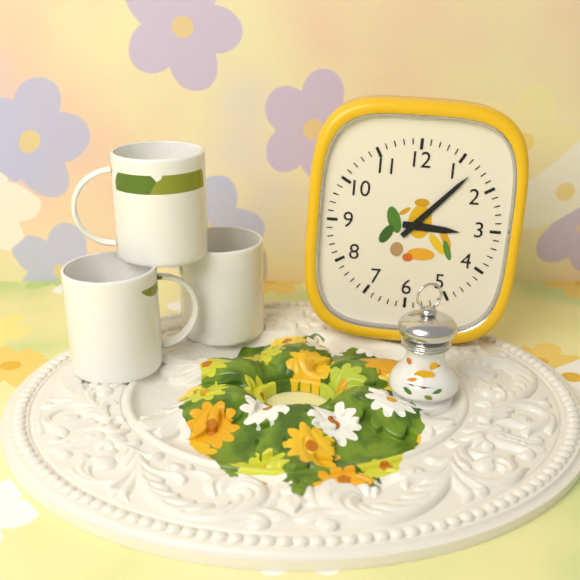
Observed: 3.07
